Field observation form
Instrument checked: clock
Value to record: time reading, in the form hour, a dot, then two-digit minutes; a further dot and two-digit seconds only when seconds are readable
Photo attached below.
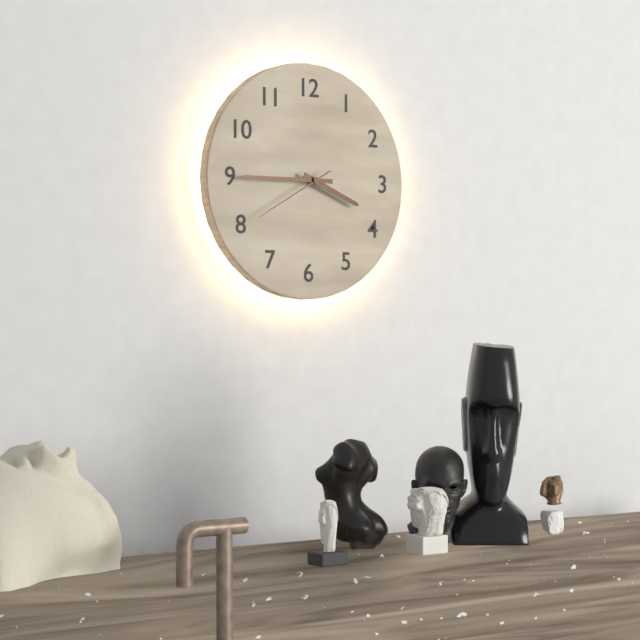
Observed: 3.45.40
